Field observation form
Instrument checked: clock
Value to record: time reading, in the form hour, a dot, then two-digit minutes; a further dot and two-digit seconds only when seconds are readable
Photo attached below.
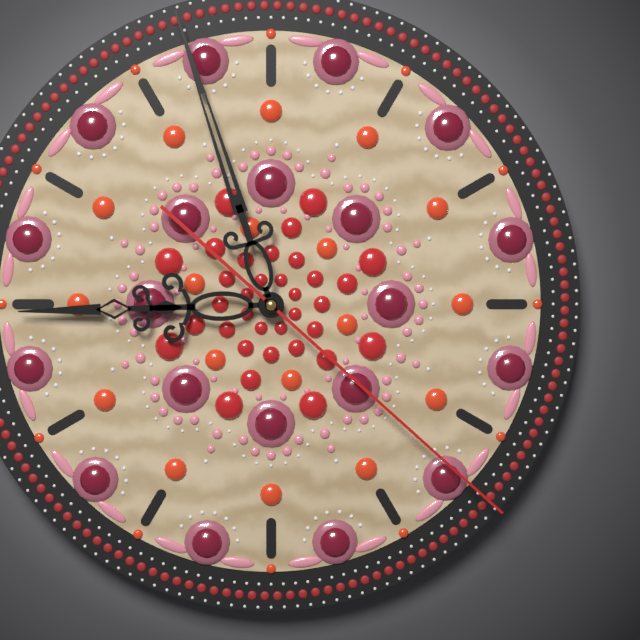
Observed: 8.57.22
